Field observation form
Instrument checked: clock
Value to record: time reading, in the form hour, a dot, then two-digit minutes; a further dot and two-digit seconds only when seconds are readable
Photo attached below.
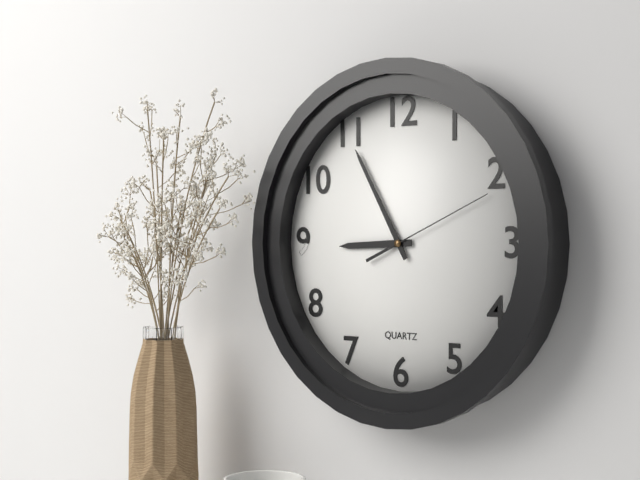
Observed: 8.55.11
